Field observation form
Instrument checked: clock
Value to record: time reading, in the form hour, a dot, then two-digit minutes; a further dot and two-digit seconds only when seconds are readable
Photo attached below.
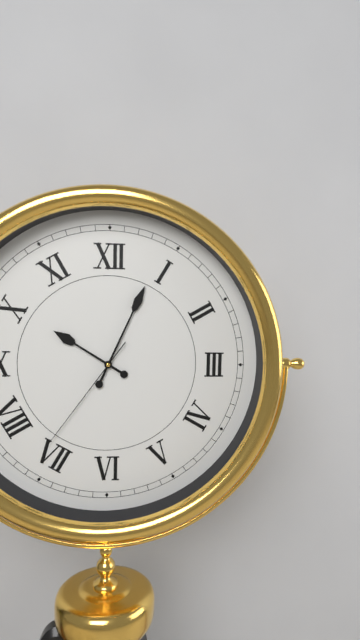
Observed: 10.04.36
